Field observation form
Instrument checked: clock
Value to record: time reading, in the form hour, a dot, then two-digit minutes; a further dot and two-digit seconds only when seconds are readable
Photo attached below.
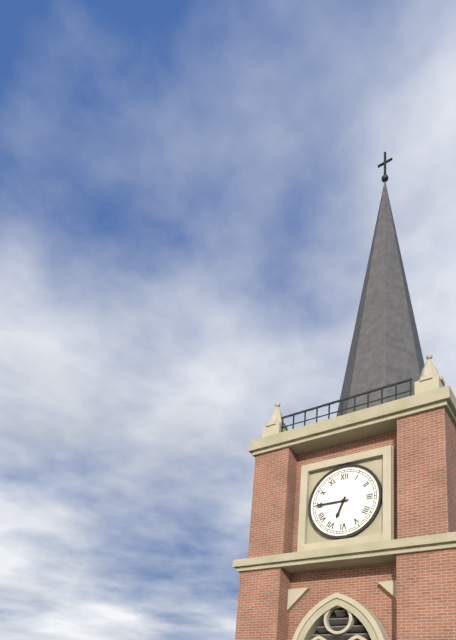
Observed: 6.45
